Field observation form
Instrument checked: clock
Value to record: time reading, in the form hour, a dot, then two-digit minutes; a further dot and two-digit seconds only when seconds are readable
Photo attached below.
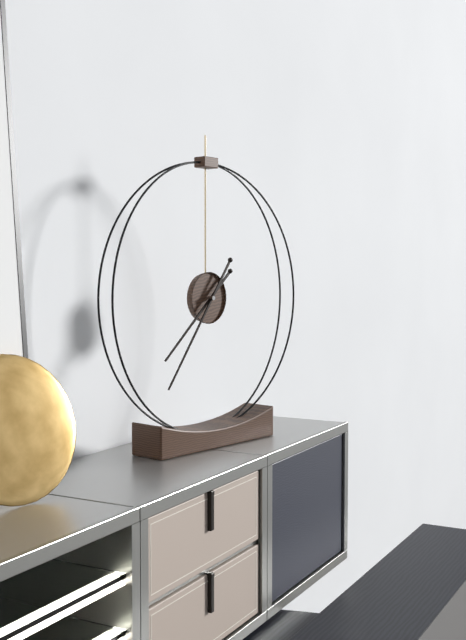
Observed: 7.36
